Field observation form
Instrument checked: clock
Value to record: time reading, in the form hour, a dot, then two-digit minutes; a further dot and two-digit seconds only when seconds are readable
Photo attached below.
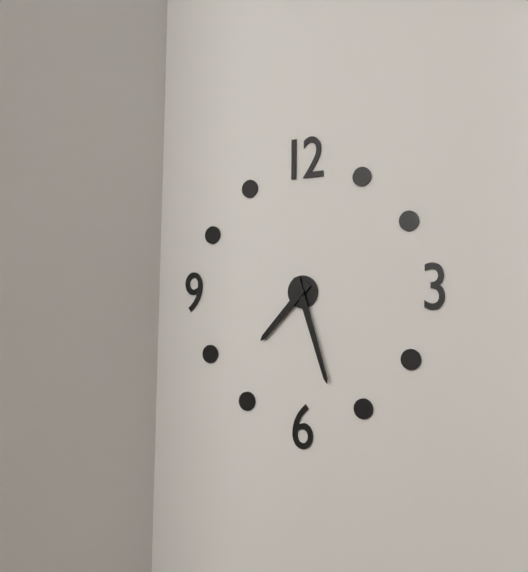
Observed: 7.27
